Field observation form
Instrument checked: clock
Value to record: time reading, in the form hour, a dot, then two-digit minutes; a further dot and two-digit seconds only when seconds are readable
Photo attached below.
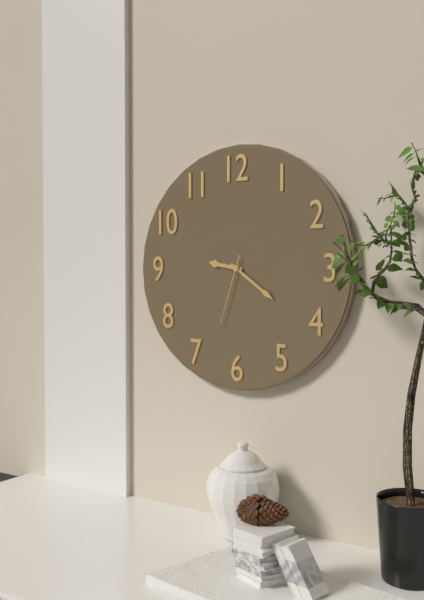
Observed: 9.21.33
